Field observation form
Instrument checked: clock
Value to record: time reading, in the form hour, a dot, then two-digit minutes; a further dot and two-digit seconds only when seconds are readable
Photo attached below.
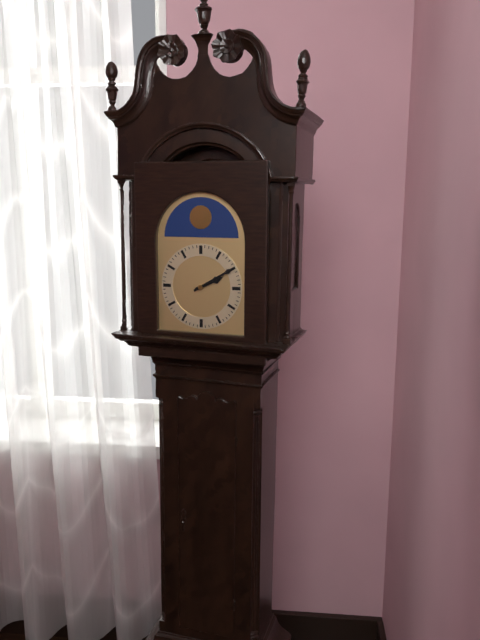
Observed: 2.10
